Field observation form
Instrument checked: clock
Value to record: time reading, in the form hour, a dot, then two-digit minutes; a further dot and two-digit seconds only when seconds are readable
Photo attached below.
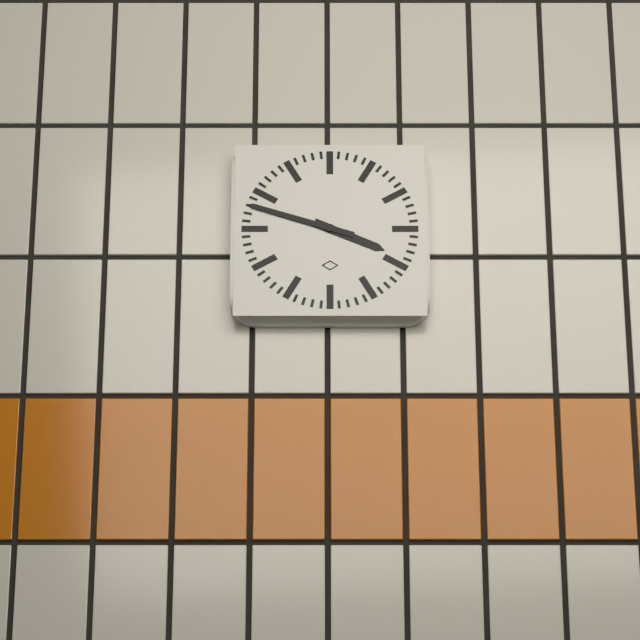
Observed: 3.48
